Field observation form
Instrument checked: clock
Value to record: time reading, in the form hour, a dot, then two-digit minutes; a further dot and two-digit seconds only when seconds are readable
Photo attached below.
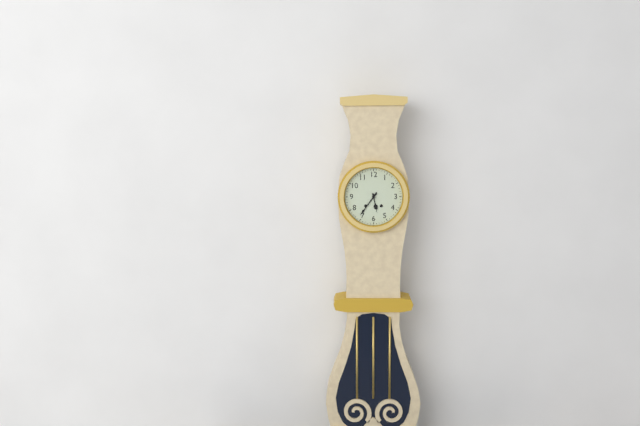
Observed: 5.36
